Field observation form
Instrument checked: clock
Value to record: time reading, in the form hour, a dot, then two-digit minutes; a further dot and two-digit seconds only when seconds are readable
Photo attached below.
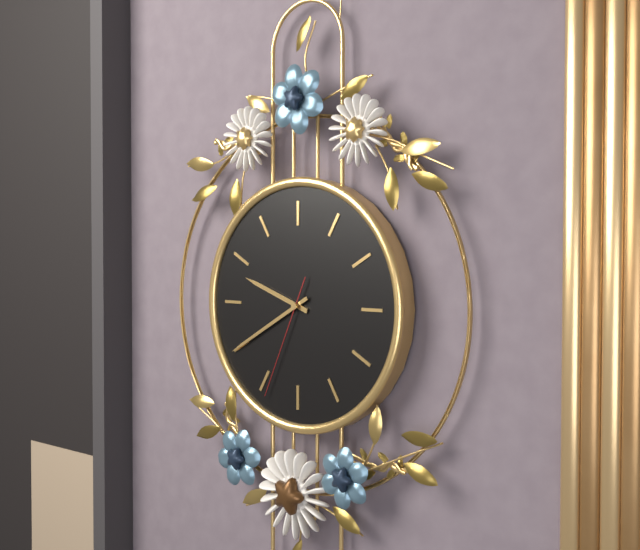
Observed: 9.40.34
